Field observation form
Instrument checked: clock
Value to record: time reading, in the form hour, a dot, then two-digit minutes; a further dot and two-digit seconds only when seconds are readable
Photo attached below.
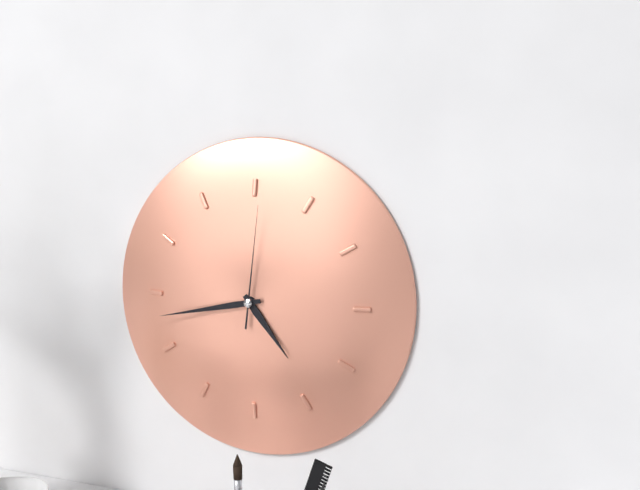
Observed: 4.43.01
